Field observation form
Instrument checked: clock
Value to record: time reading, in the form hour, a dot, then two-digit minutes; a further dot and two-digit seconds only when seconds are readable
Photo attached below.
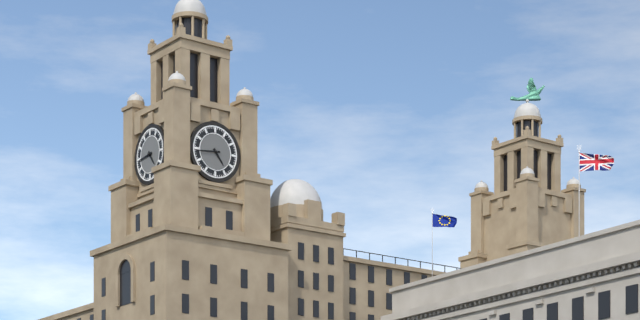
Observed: 4.44
